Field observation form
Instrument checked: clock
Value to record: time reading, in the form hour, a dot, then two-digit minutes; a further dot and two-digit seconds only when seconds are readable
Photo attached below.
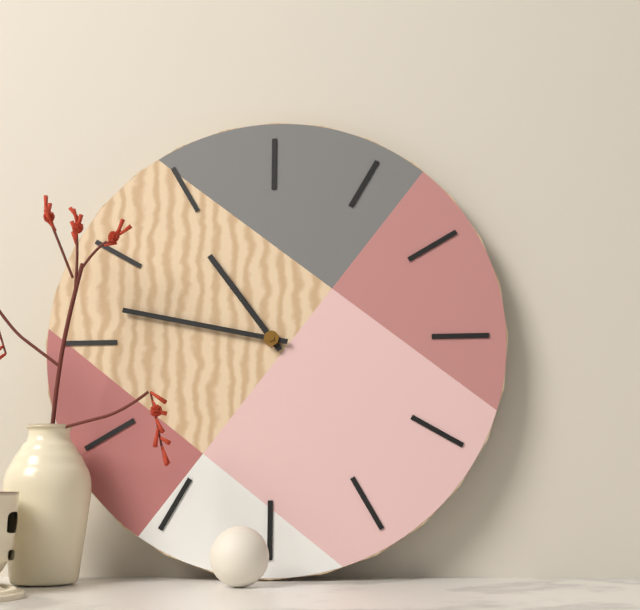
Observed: 10.47
